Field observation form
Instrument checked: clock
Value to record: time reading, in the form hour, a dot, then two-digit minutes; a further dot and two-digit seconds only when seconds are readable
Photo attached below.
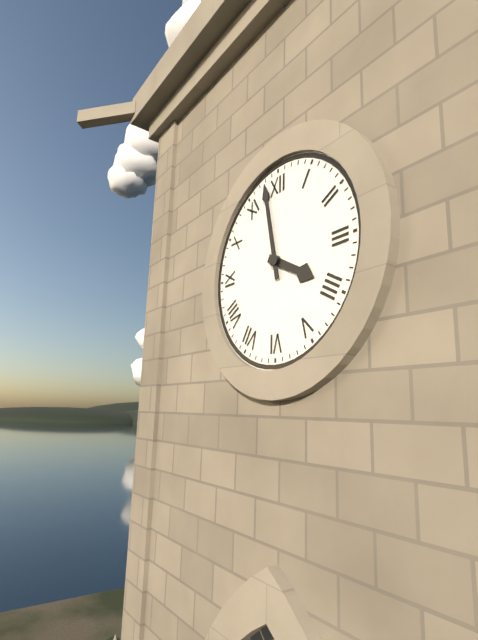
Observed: 3.58
